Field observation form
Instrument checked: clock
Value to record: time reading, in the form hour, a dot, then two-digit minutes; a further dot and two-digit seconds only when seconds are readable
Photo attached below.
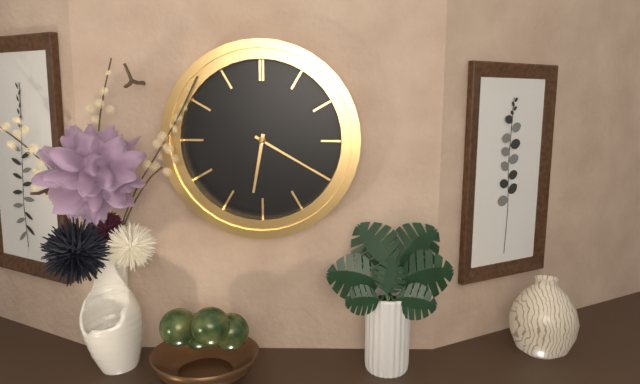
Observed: 6.20
